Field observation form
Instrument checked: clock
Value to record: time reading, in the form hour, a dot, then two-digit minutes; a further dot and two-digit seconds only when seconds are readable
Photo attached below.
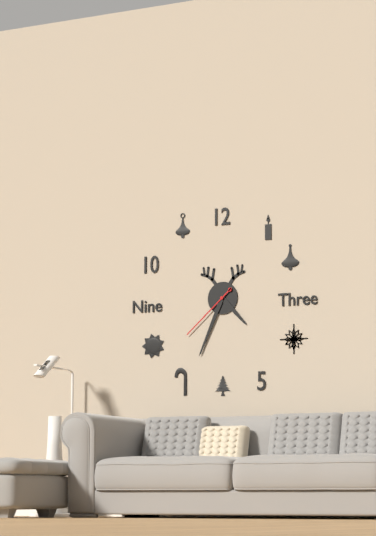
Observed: 4.34.38
